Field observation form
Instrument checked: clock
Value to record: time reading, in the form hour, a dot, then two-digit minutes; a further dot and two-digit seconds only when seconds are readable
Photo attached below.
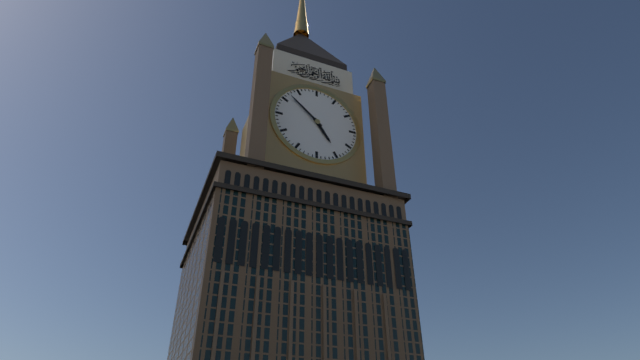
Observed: 4.52
